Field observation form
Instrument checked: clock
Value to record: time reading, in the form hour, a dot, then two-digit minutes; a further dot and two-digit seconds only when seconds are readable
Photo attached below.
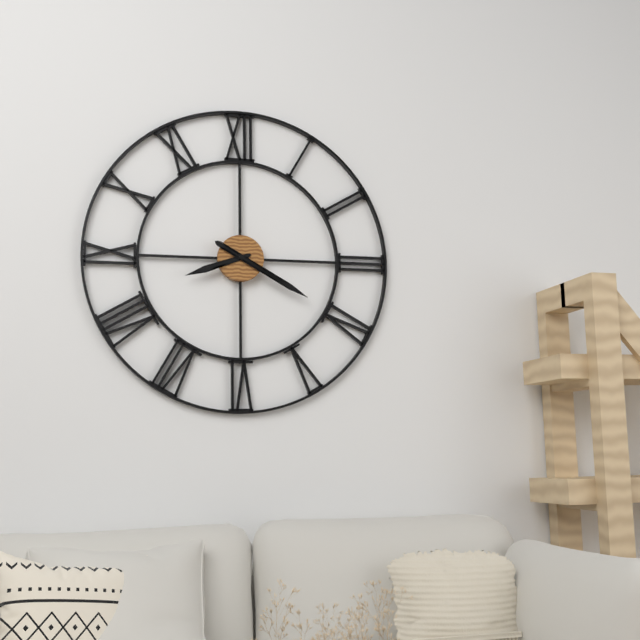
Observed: 8.20
